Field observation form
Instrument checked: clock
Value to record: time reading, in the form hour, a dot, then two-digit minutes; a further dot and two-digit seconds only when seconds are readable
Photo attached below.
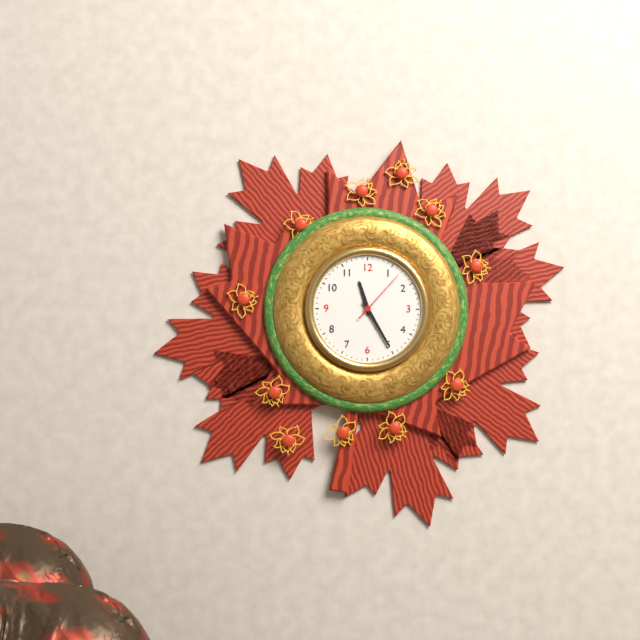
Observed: 11.25.07
